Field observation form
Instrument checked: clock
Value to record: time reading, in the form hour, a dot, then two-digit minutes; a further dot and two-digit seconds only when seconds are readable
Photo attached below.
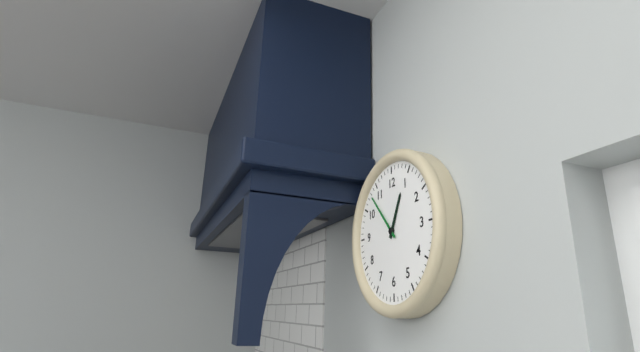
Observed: 12.53
